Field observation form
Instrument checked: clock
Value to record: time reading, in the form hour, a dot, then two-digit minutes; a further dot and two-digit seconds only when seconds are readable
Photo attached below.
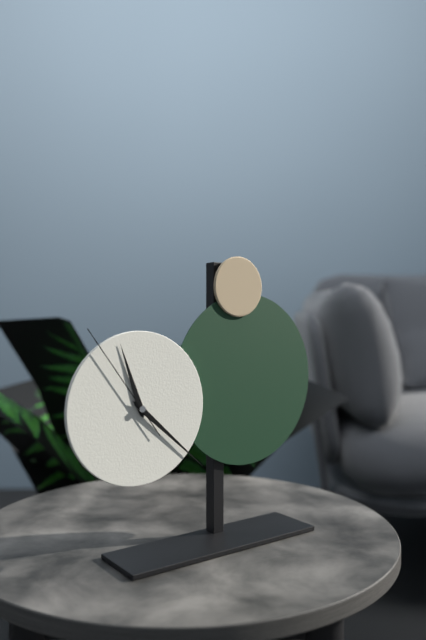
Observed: 11.22.54
